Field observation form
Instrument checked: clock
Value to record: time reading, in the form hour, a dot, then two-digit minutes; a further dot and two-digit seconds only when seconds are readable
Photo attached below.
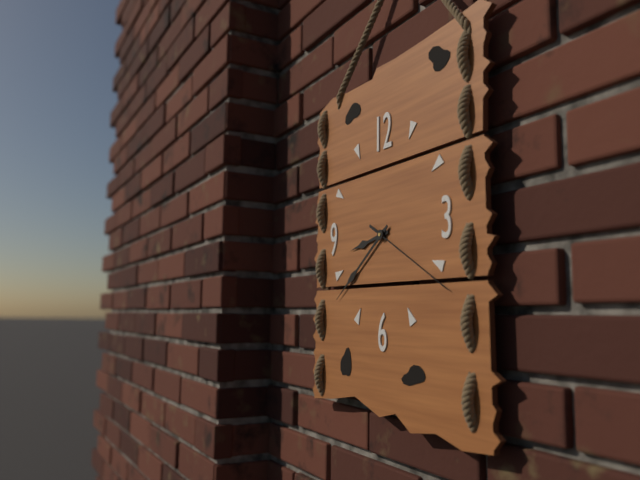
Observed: 8.39.20
